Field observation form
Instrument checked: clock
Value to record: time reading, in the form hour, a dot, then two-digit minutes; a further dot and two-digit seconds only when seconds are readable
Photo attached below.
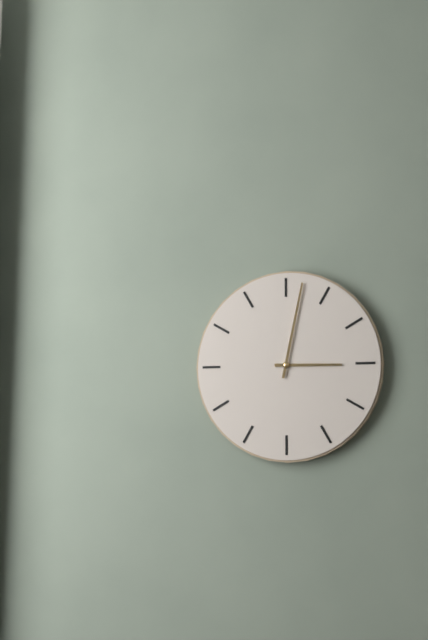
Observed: 3.02
